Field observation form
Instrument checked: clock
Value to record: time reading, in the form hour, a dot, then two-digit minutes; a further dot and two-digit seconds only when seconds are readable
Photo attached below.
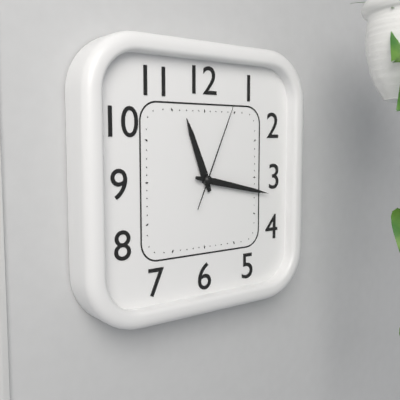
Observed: 11.17.04
